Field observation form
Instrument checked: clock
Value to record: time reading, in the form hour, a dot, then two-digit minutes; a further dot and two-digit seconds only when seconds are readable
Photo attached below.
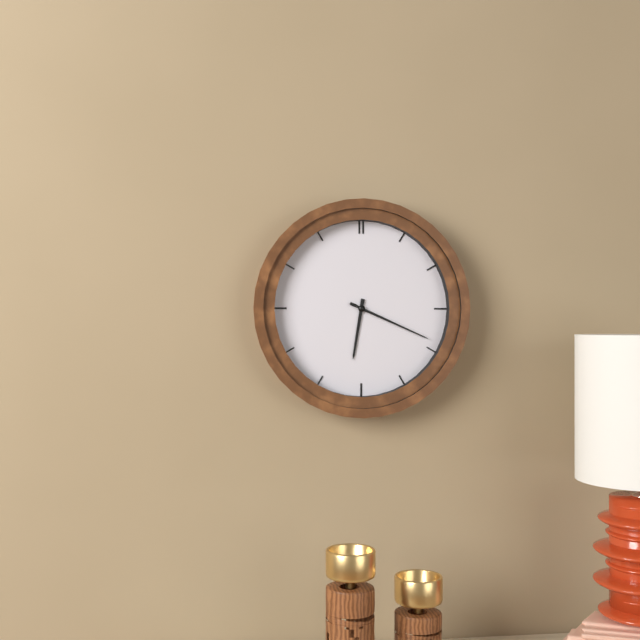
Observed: 6.19
